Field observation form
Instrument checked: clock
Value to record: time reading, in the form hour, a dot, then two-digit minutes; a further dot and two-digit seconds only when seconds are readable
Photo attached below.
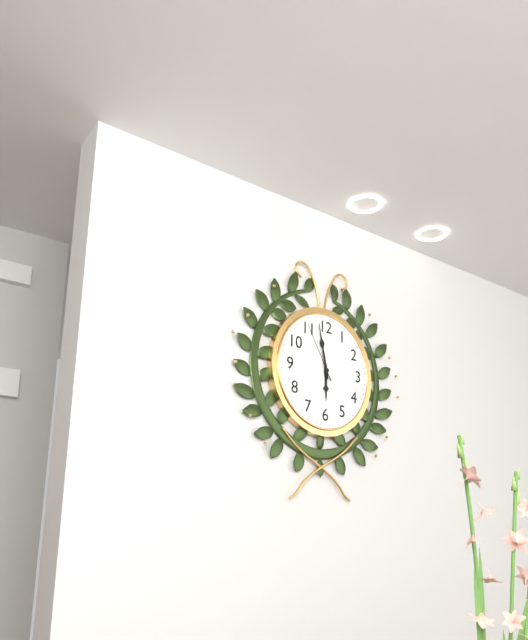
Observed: 5.58.55
